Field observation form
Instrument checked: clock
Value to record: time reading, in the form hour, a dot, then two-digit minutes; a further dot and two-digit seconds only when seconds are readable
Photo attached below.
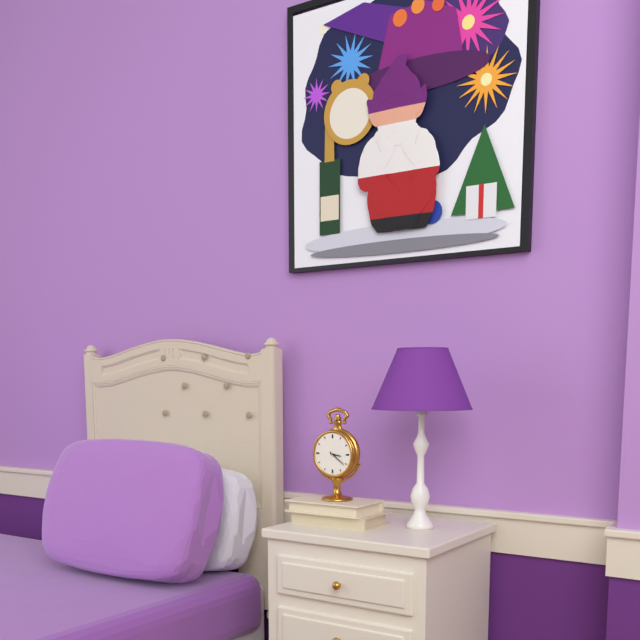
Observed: 3.21
